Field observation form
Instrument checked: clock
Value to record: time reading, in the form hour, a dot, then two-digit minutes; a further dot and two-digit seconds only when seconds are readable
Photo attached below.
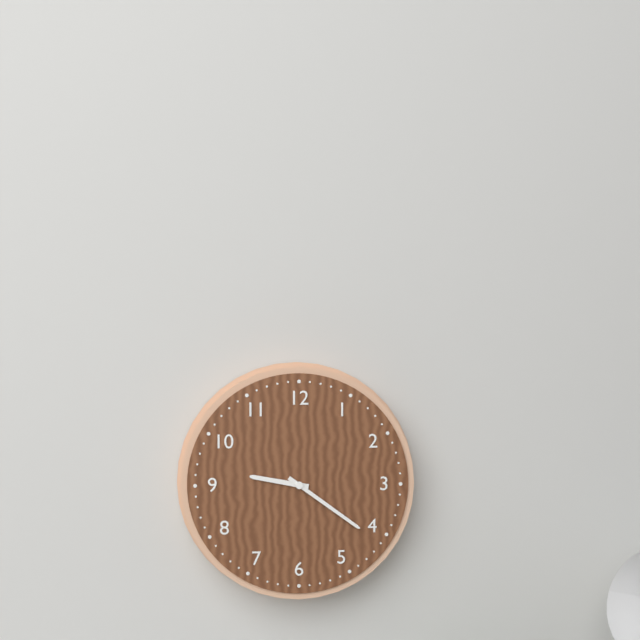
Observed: 9.21
